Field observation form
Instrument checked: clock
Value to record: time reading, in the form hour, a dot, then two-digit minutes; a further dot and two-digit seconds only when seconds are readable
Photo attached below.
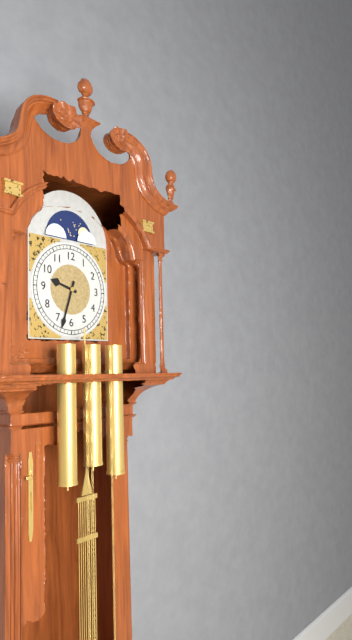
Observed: 9.33
